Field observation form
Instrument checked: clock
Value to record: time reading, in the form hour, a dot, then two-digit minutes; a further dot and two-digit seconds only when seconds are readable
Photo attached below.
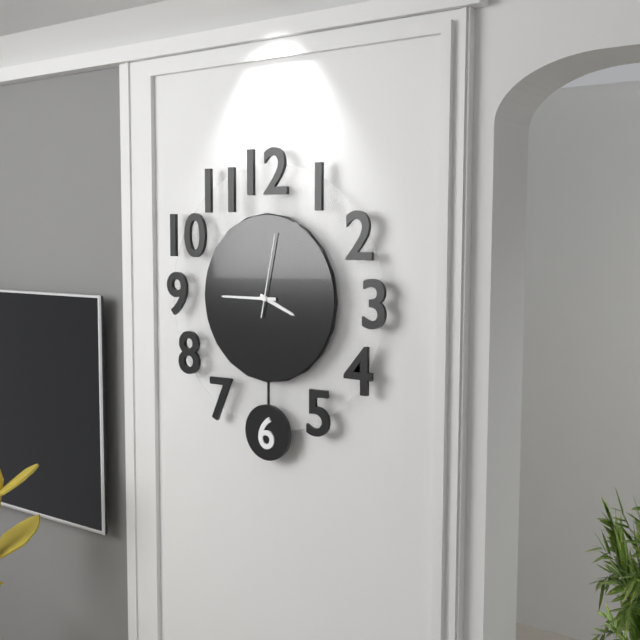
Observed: 3.45.02
